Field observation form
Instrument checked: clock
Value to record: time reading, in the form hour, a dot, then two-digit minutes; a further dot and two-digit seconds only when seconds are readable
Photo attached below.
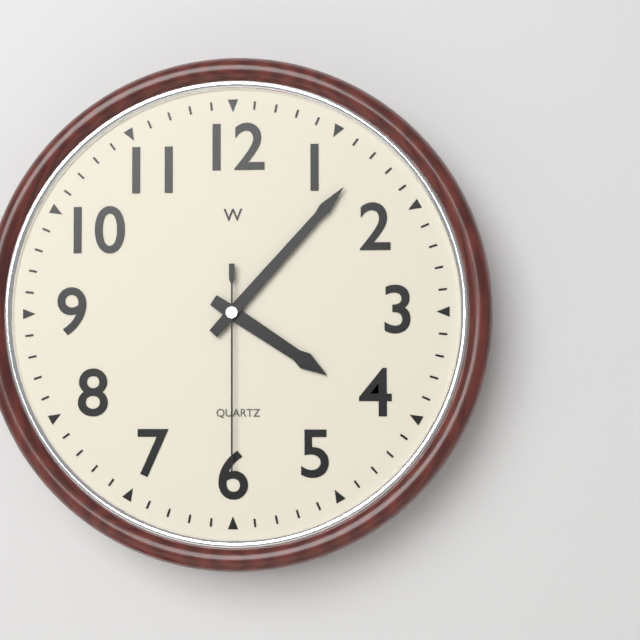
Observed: 4.07.30
